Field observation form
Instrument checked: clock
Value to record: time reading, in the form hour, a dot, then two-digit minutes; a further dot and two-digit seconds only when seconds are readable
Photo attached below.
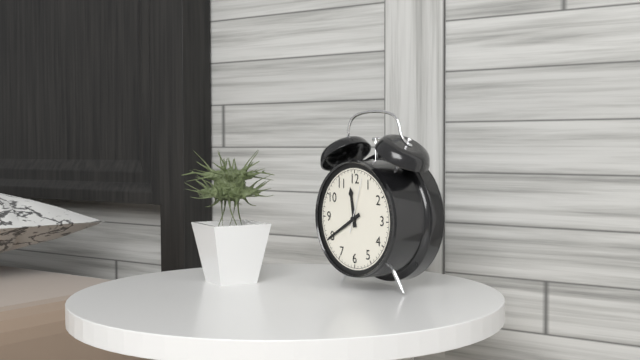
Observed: 11.40.03
